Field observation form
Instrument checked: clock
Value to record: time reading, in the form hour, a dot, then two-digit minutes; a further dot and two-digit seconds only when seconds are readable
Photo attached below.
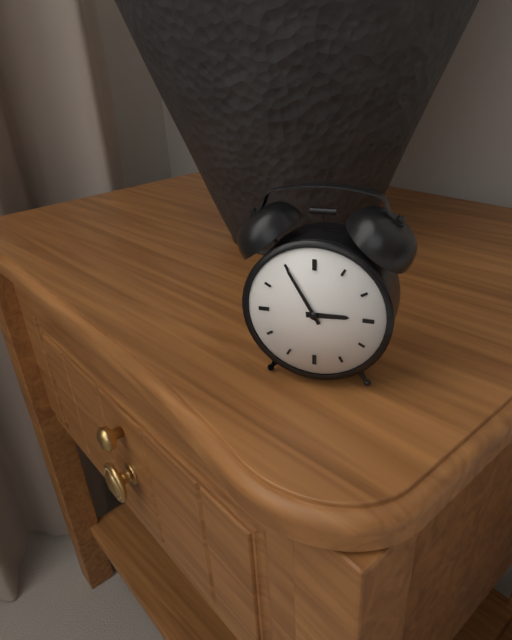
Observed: 2.55
